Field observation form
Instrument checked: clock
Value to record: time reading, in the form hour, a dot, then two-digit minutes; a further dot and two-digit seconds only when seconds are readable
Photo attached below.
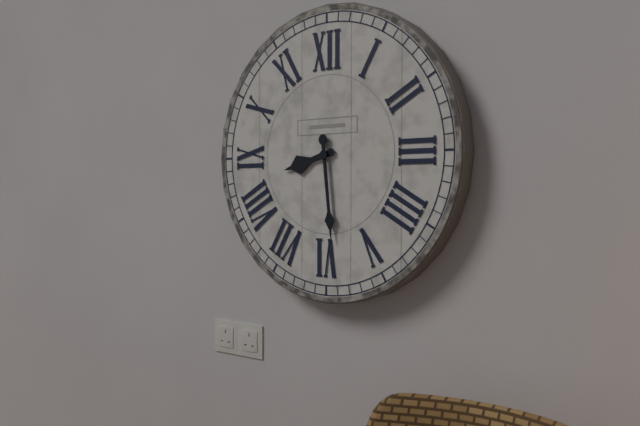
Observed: 8.29
